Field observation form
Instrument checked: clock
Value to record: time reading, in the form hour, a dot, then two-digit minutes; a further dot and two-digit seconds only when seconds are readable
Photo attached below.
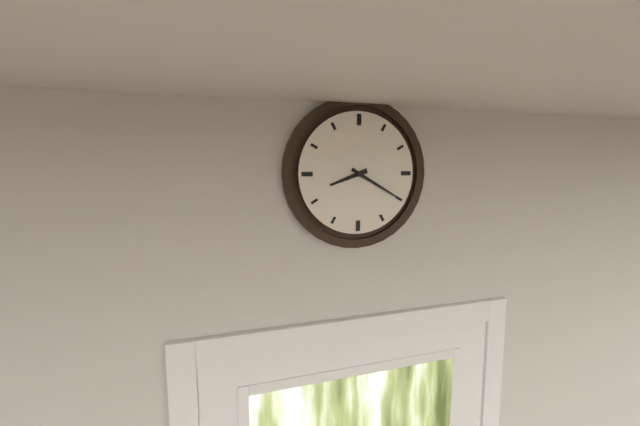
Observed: 8.20
